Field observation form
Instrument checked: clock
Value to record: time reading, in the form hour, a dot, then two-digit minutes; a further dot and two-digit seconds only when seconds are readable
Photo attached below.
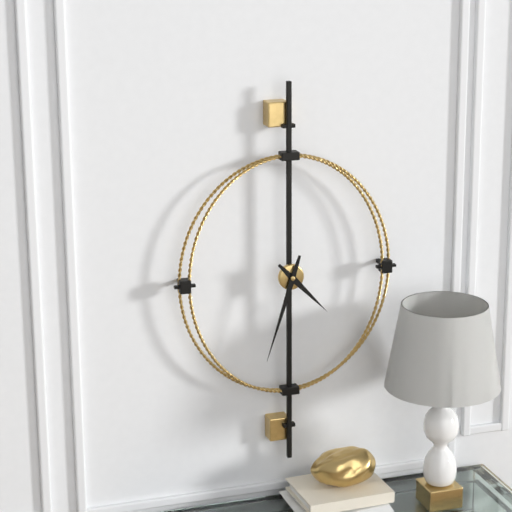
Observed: 4.33
